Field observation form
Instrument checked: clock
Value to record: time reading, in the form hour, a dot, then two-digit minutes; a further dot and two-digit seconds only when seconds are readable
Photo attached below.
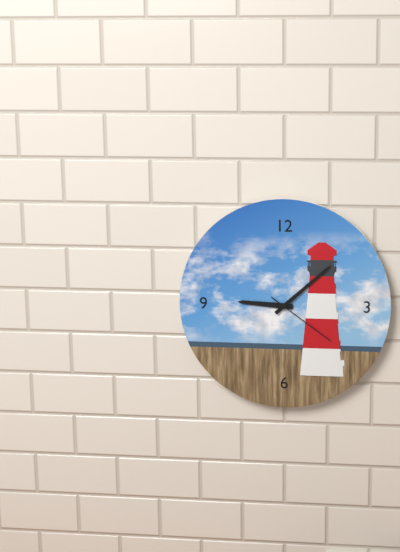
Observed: 9.08.21
